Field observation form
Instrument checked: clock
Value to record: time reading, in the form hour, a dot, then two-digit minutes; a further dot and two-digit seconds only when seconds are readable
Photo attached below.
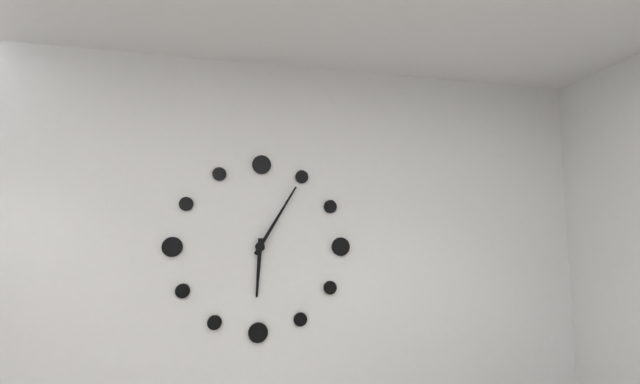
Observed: 6.05
